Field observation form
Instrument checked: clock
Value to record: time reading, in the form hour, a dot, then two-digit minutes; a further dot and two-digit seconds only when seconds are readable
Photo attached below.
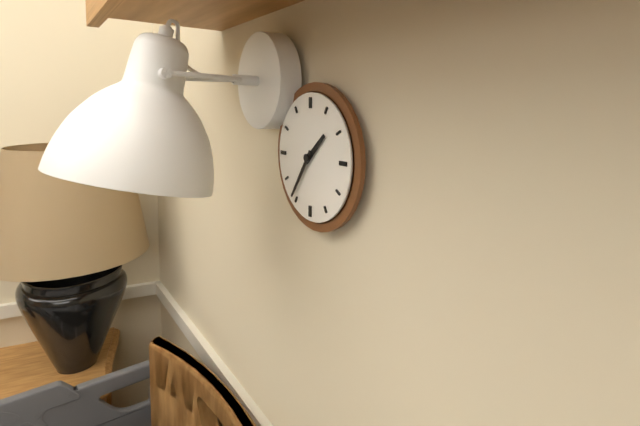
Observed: 1.36
